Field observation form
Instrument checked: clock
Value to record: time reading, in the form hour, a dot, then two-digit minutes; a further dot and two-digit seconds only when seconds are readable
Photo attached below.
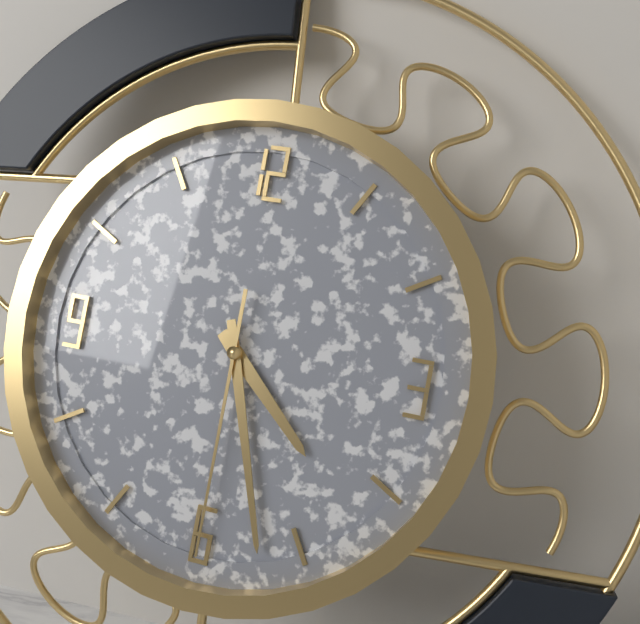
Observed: 4.27.30
